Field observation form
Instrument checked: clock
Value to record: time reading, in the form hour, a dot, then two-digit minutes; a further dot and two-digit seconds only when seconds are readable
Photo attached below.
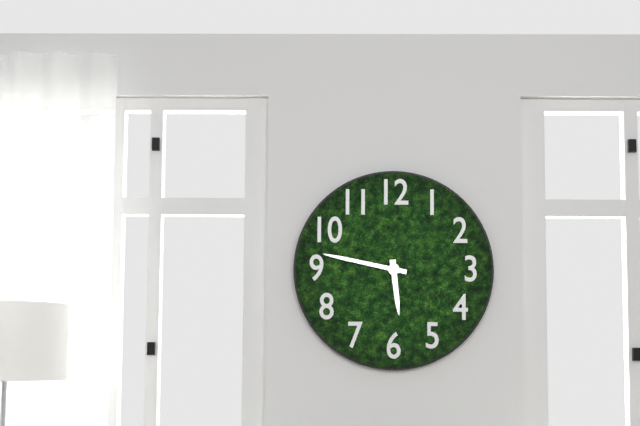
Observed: 5.47
